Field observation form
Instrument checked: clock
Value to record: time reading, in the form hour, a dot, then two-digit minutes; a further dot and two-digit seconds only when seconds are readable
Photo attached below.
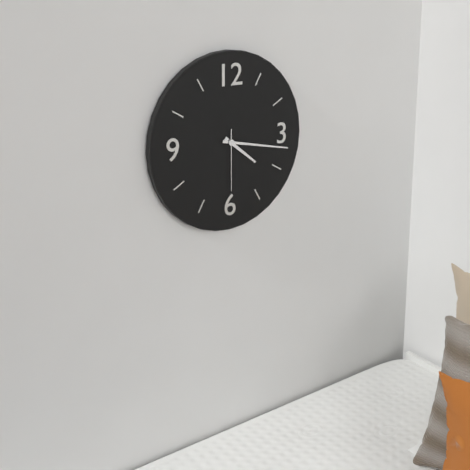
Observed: 4.17.30
